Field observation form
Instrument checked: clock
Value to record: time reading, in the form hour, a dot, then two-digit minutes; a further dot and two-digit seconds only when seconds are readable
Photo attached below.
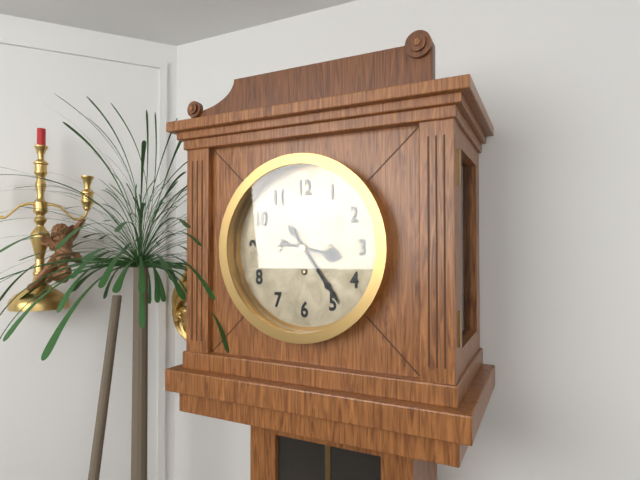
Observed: 3.24
